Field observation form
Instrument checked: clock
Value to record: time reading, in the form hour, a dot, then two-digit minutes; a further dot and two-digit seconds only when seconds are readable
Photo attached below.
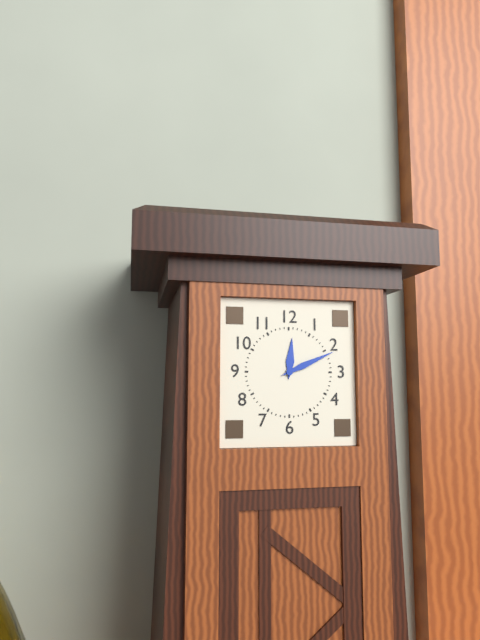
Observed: 12.11
